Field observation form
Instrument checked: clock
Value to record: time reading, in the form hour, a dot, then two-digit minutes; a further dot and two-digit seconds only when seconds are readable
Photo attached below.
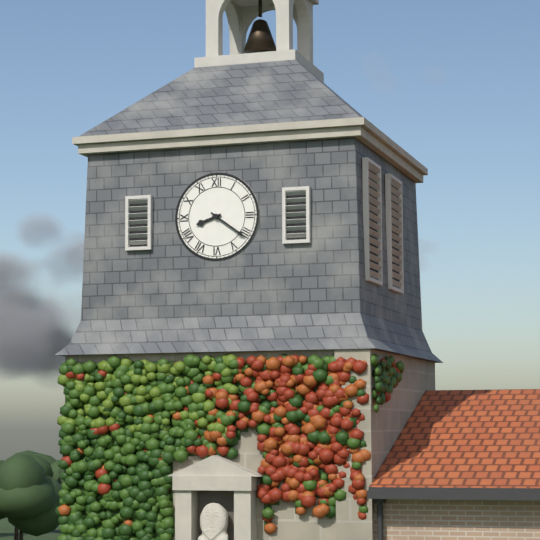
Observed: 8.21
